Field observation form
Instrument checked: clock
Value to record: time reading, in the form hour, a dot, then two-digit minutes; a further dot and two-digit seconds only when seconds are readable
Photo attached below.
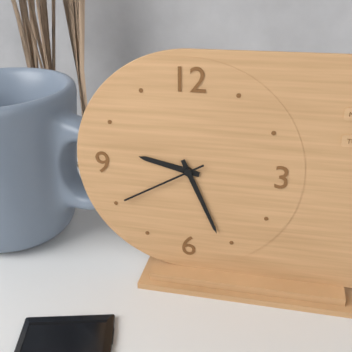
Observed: 9.26.40
